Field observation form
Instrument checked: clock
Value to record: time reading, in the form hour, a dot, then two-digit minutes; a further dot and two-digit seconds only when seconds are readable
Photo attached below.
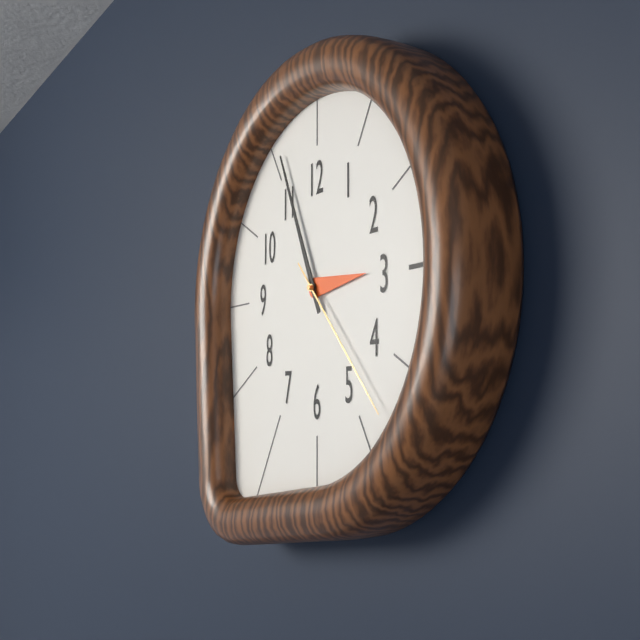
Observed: 2.56.23
